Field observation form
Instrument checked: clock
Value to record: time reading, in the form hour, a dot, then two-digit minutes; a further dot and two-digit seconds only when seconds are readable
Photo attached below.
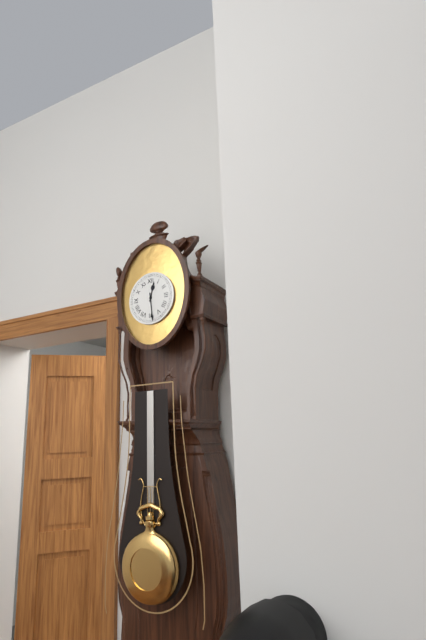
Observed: 12.29
